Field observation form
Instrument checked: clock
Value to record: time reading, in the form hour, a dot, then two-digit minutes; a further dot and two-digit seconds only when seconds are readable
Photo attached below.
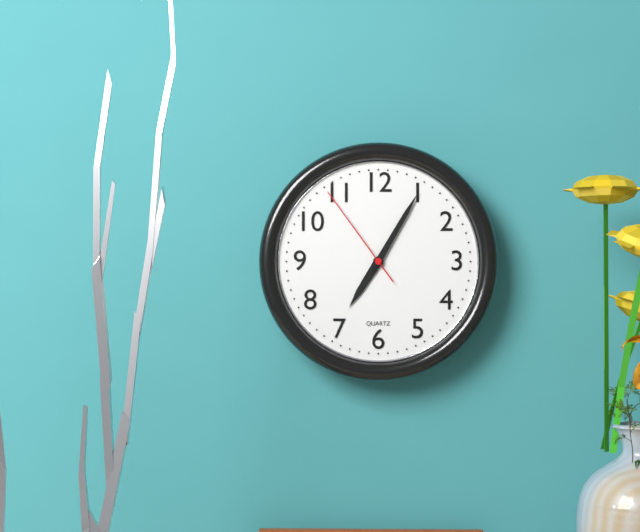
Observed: 7.05.54
